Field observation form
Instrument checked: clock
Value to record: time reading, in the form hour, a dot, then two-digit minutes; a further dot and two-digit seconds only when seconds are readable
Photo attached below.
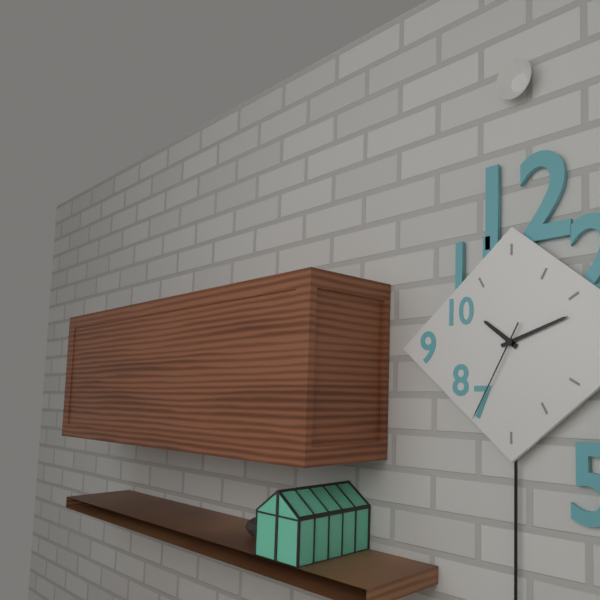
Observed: 10.12.35
